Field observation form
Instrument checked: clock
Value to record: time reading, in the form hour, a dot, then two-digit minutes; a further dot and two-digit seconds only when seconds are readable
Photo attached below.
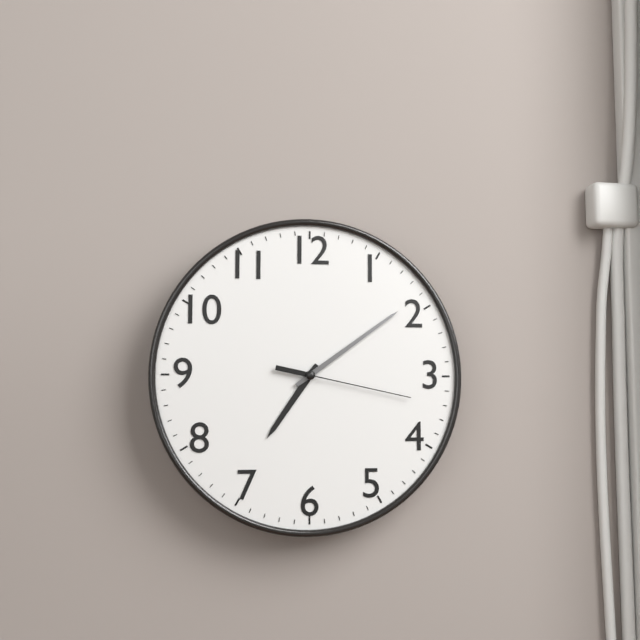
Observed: 7.09.17
